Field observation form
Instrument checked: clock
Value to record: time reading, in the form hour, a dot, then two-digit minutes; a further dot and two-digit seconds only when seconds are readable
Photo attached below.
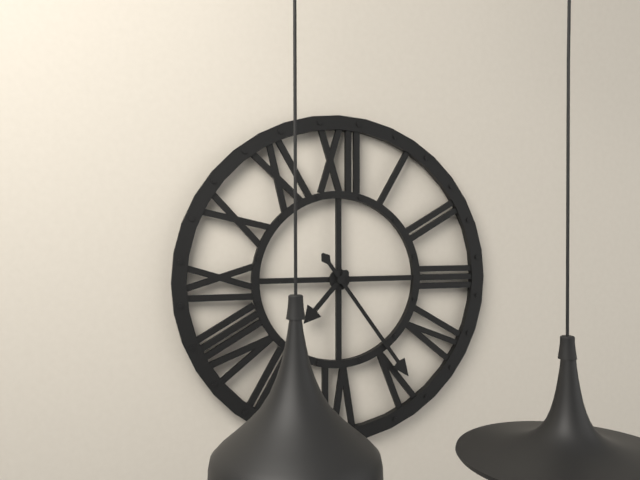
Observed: 7.24
